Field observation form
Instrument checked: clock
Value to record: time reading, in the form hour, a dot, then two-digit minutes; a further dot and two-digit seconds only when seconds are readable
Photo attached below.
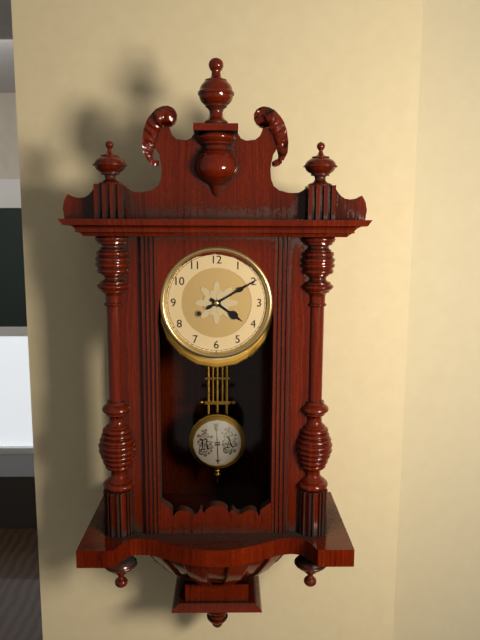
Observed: 4.10
